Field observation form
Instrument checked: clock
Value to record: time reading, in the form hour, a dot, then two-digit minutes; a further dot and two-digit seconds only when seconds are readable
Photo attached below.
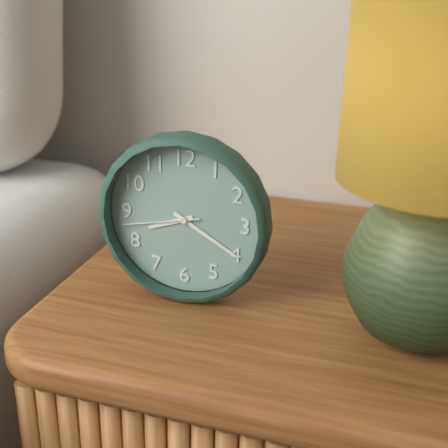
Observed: 8.20.43
